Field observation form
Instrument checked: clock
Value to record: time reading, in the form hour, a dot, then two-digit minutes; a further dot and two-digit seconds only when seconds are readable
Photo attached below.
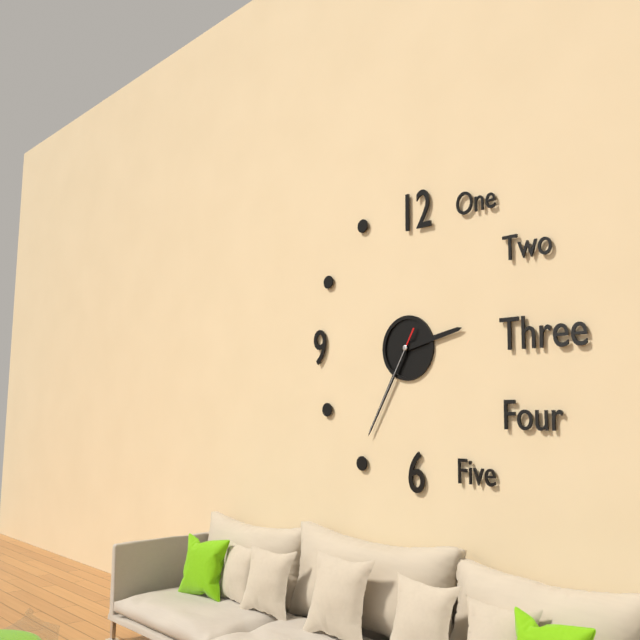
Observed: 2.35.35
